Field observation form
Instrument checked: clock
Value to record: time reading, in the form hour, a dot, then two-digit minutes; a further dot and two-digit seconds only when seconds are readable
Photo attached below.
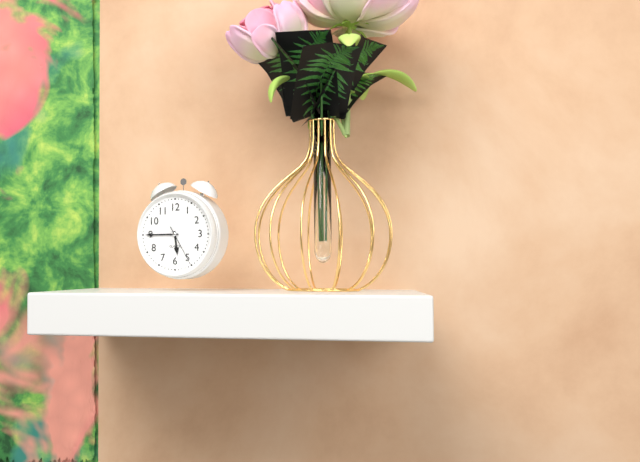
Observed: 5.45
